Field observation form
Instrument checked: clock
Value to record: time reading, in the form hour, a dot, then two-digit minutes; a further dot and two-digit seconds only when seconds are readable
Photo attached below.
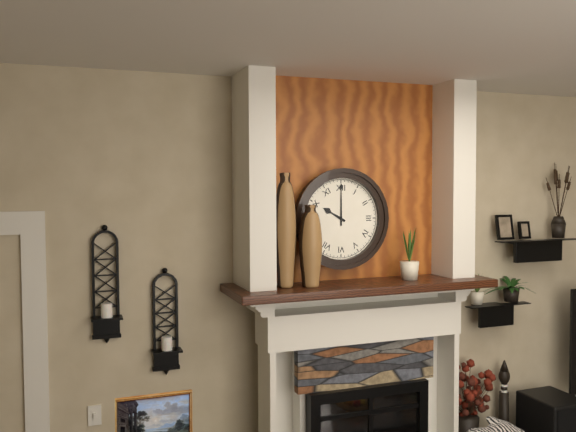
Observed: 10.00
